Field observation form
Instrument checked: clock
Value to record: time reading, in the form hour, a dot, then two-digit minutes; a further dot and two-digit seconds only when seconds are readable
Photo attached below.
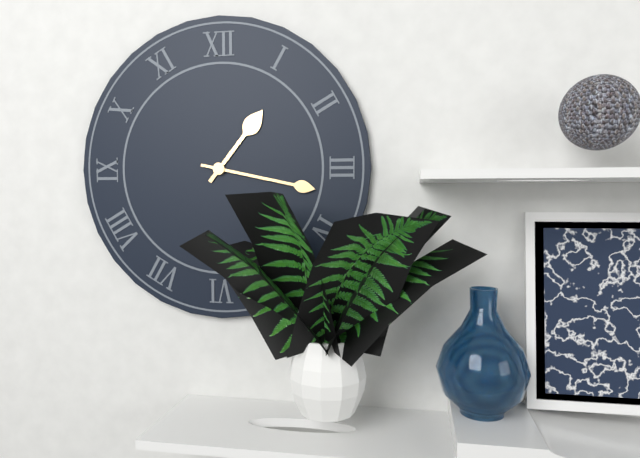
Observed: 1.17
